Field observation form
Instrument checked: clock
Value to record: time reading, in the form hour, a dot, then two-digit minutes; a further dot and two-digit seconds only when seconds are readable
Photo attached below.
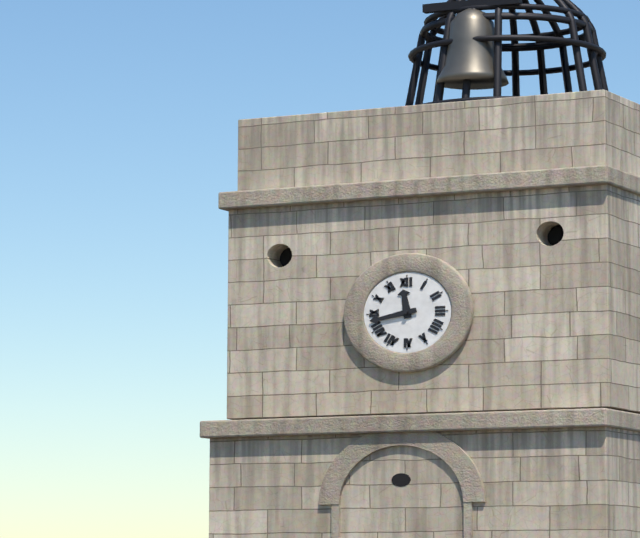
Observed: 11.43
